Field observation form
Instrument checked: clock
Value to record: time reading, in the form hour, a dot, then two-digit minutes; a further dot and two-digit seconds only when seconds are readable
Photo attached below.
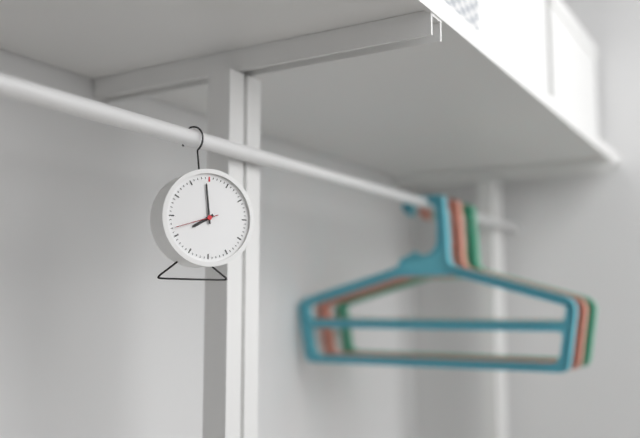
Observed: 7.59
